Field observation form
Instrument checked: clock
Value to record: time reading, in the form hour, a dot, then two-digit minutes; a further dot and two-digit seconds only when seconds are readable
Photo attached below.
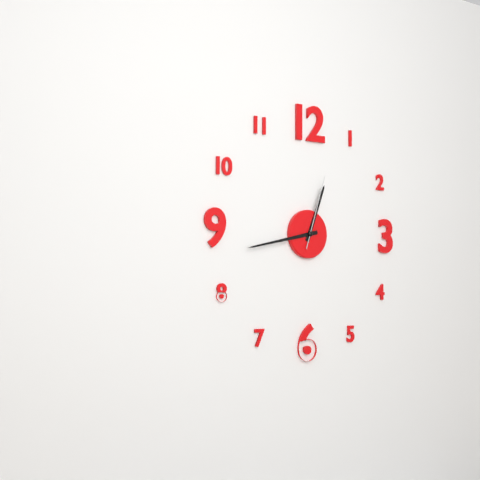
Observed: 12.43.03
